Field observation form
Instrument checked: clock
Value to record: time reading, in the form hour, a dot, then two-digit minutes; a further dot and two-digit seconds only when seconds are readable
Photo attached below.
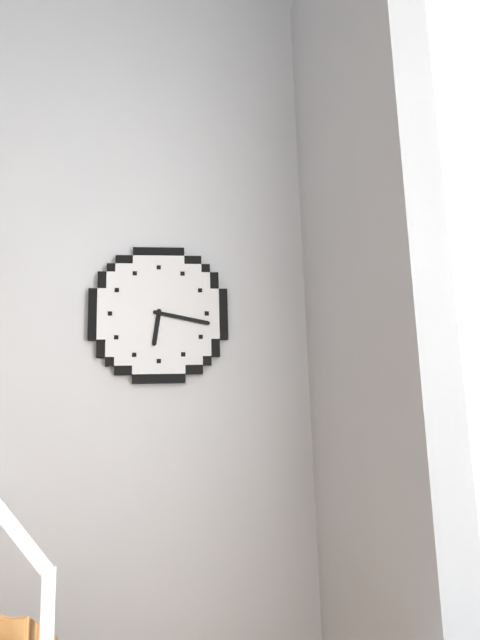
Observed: 6.17
